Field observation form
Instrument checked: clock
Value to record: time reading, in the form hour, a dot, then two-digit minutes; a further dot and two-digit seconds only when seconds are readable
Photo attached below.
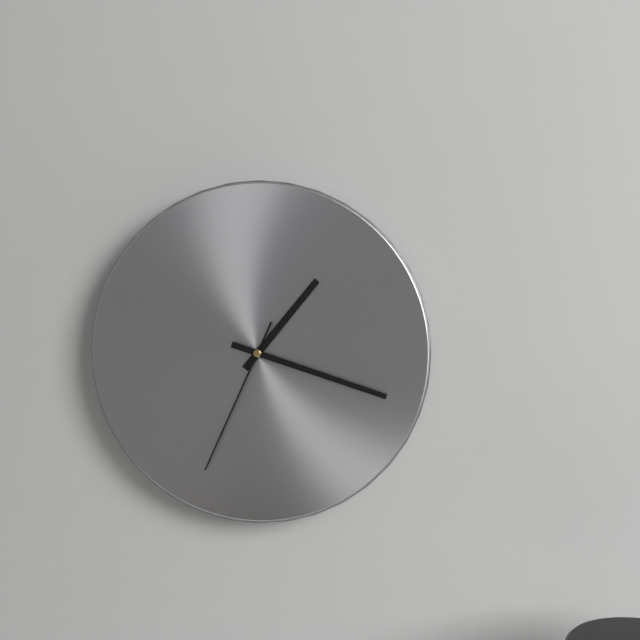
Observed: 1.18.34
